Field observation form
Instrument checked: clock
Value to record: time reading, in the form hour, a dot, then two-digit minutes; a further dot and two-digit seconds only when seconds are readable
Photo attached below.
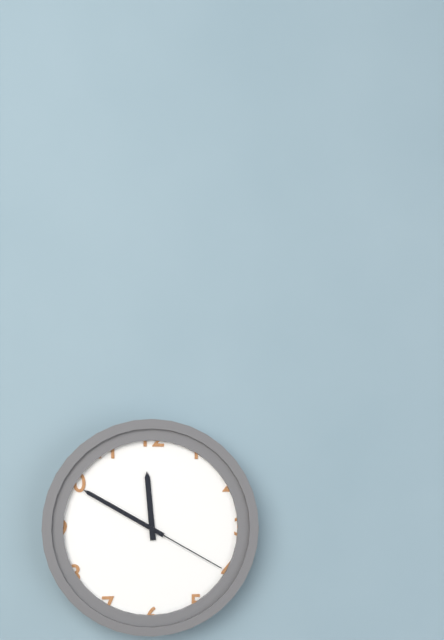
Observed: 11.50.20
